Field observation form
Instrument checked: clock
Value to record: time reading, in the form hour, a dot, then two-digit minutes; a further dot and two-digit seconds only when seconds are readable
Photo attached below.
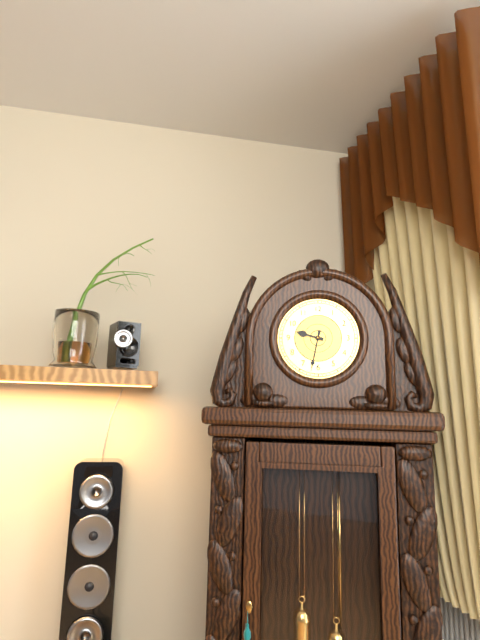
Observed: 9.32
